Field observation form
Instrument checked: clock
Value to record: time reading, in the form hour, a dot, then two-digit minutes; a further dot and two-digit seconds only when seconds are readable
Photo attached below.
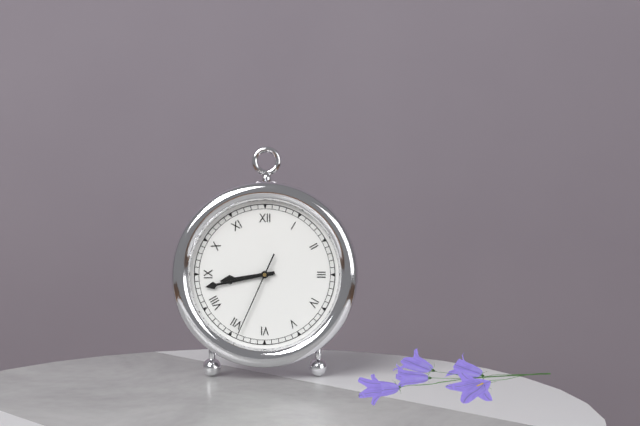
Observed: 8.43.34
